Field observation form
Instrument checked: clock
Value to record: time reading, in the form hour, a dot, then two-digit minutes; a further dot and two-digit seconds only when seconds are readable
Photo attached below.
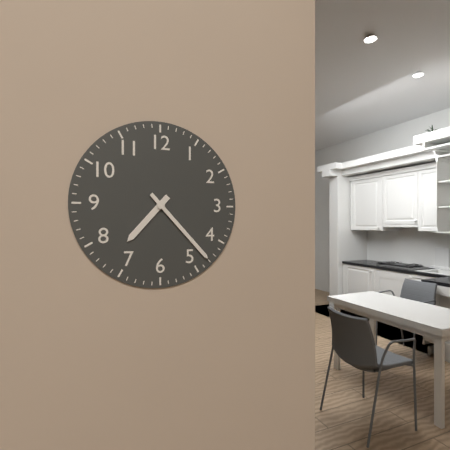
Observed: 7.23
